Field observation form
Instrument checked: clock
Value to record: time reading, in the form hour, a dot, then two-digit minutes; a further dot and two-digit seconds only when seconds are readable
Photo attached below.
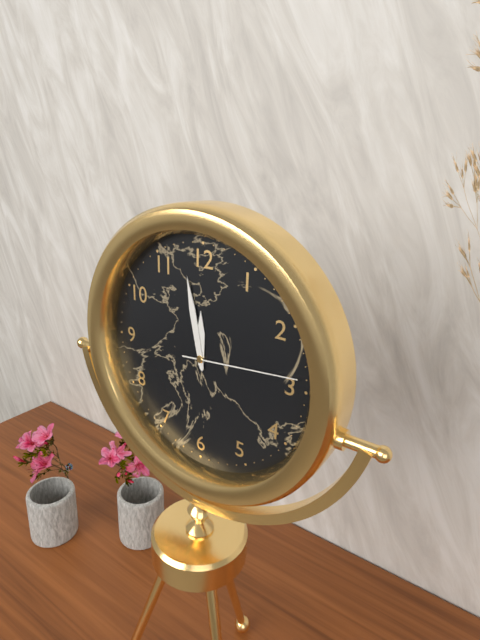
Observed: 11.58.14
